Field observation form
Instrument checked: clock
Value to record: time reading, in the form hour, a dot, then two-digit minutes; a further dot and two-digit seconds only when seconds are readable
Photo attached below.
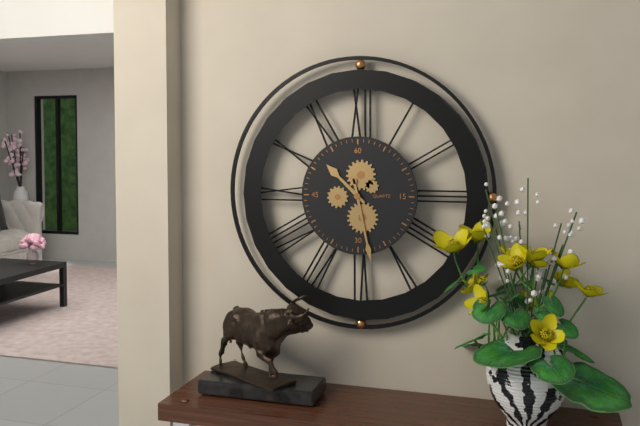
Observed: 10.28
